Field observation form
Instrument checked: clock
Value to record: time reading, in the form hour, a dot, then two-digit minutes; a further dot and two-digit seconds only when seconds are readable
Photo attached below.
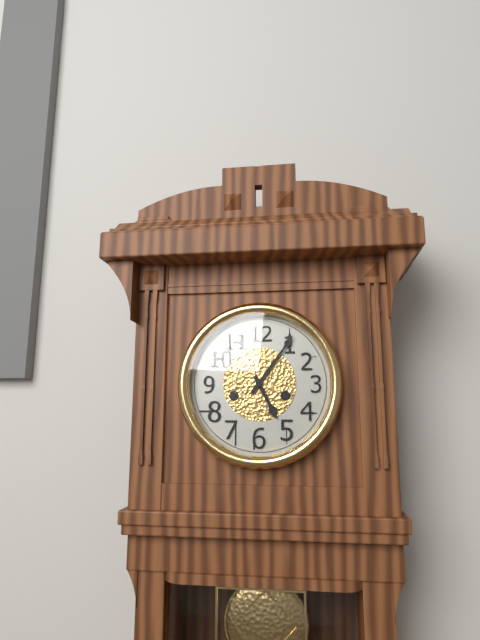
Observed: 5.06
